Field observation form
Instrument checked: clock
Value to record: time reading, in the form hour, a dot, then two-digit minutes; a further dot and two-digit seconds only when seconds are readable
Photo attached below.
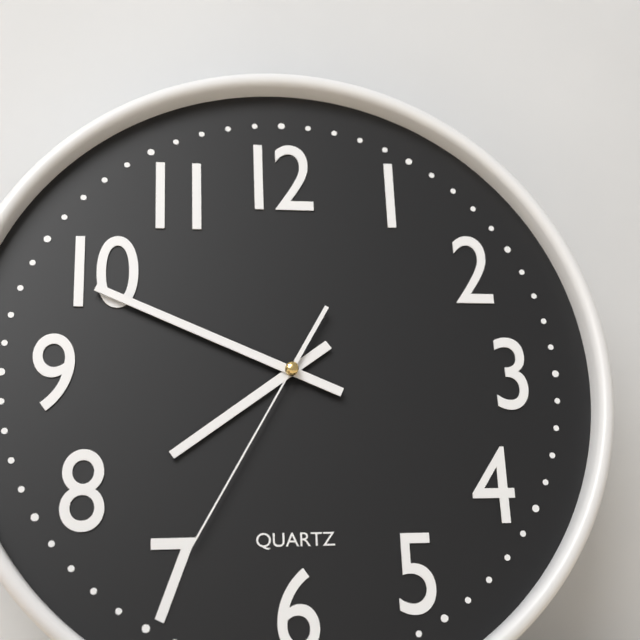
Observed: 7.49.35
